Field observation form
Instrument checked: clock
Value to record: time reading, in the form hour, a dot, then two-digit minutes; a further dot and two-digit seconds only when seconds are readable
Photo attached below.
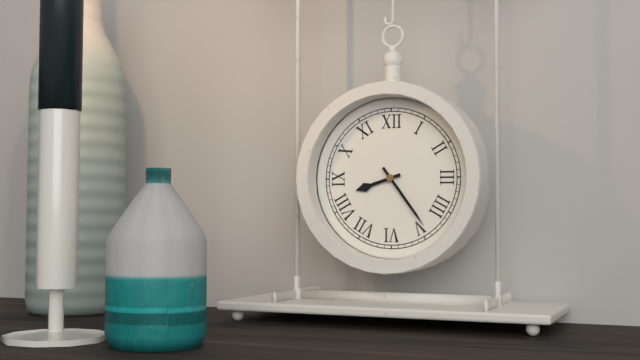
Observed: 8.24
